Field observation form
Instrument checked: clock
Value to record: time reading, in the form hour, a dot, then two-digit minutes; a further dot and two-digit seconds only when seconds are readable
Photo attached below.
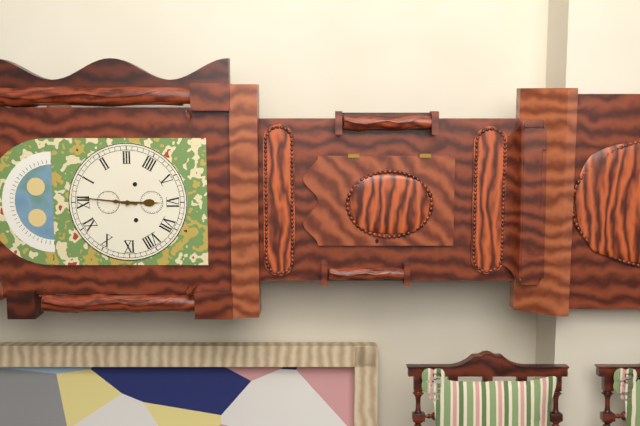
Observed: 6.01
